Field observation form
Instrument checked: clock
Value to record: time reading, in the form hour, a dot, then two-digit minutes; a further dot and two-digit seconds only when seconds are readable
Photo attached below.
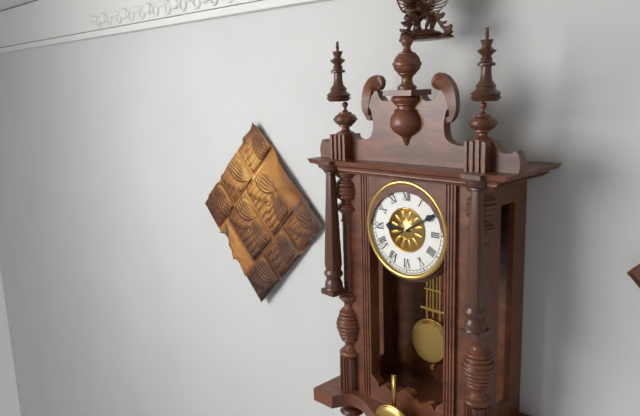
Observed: 9.10
